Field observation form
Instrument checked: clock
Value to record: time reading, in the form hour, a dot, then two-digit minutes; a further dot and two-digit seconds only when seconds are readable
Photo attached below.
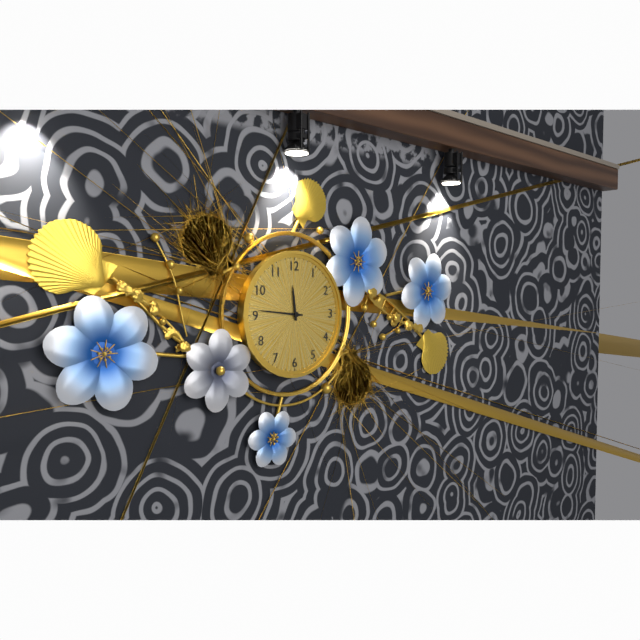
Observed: 11.46
